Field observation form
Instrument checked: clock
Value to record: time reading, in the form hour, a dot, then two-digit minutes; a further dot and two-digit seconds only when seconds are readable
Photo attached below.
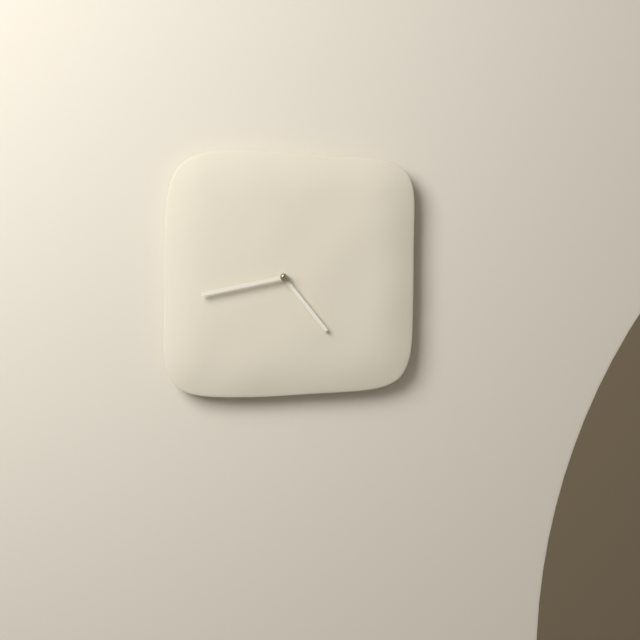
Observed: 4.43
